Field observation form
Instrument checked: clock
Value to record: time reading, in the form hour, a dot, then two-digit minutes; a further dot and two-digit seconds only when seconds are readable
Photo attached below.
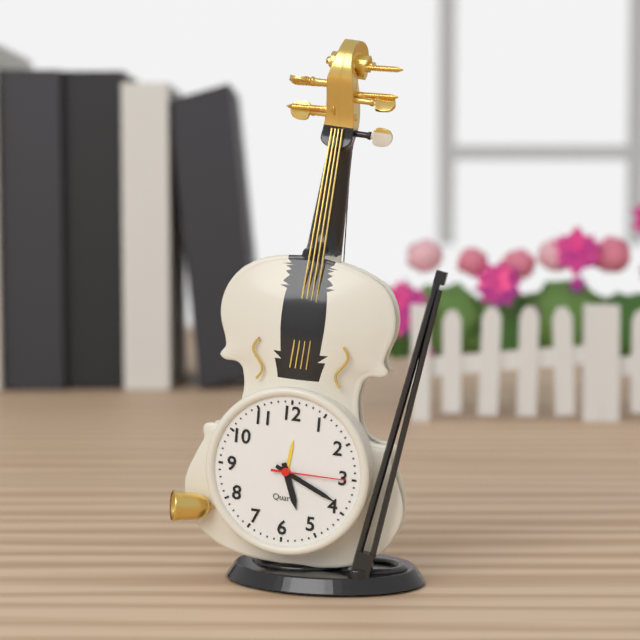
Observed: 5.19.15
